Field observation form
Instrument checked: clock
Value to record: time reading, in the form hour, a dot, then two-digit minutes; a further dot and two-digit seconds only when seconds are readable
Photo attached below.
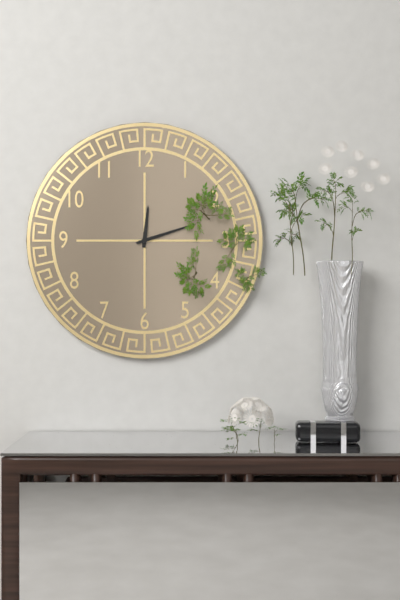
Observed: 12.12
